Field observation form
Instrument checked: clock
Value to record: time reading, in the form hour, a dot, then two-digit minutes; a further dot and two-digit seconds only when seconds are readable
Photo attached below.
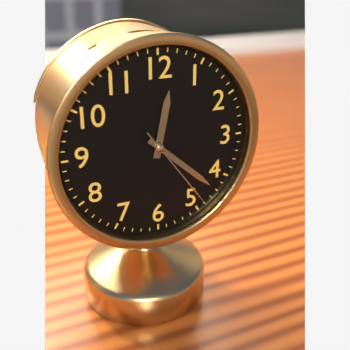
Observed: 12.22.24
